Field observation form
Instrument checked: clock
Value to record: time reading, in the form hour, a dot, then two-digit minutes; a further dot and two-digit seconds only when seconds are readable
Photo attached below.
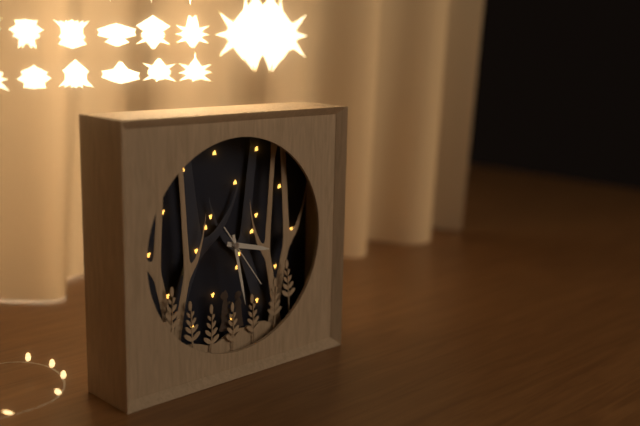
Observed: 3.28.24
